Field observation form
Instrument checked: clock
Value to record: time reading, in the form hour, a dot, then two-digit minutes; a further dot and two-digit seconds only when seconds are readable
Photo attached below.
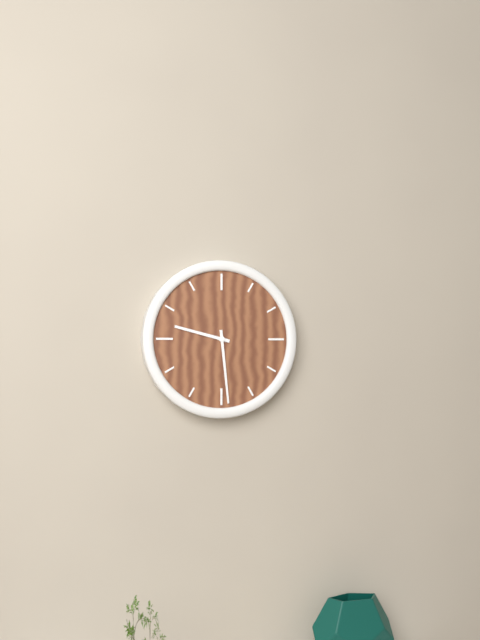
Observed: 9.29
